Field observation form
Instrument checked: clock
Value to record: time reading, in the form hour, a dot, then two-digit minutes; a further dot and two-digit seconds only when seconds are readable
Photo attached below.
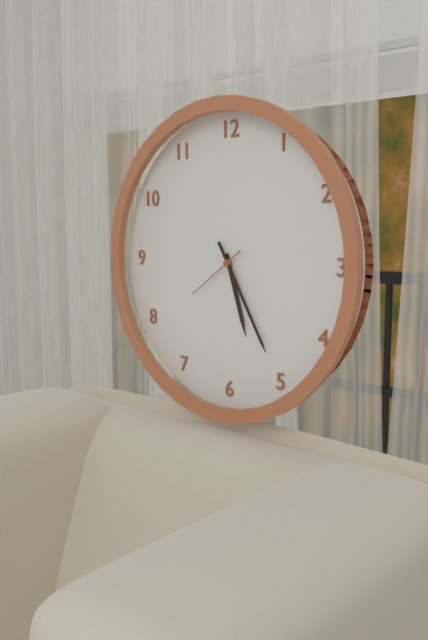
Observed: 5.25.39
